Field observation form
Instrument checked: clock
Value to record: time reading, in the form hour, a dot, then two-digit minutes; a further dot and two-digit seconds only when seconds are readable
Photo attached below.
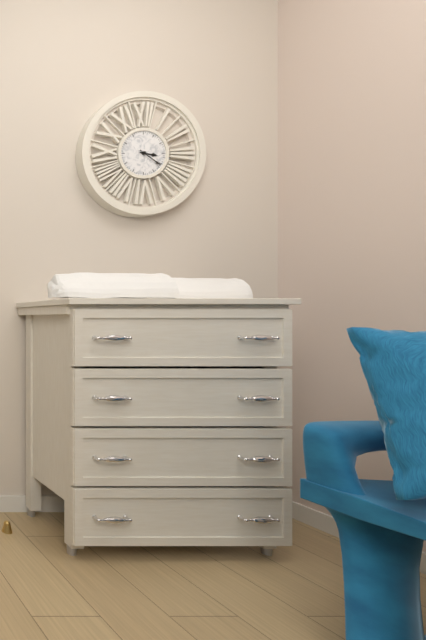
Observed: 3.21
